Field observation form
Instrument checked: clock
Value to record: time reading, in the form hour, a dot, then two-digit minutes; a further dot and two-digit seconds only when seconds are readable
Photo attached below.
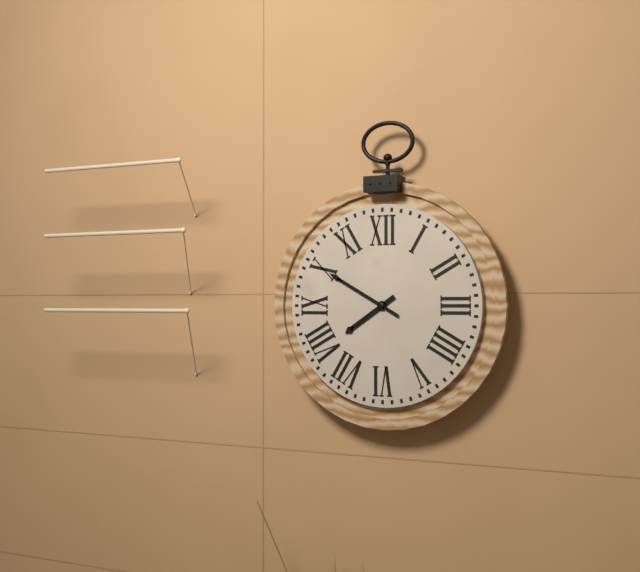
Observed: 7.50
